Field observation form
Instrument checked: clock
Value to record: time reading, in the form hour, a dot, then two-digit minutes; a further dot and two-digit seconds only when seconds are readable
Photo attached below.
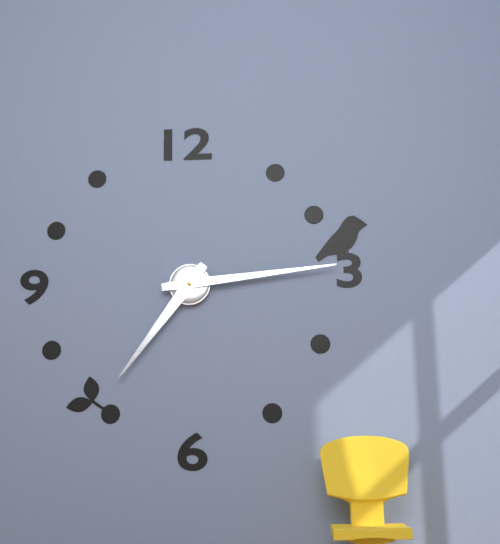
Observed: 7.14
